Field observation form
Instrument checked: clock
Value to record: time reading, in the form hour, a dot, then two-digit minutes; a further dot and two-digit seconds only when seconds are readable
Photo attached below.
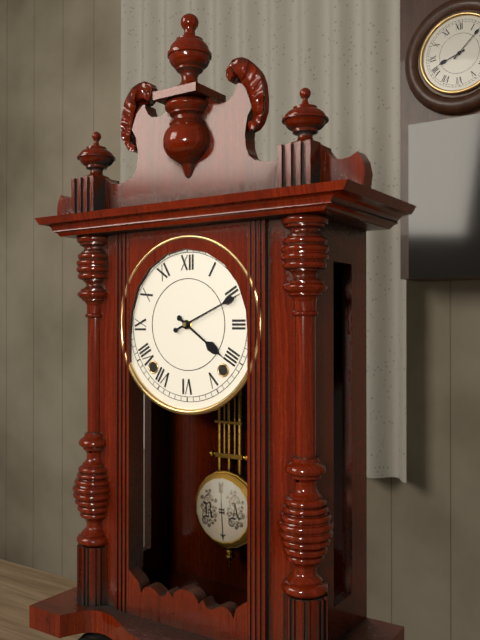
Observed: 4.11
